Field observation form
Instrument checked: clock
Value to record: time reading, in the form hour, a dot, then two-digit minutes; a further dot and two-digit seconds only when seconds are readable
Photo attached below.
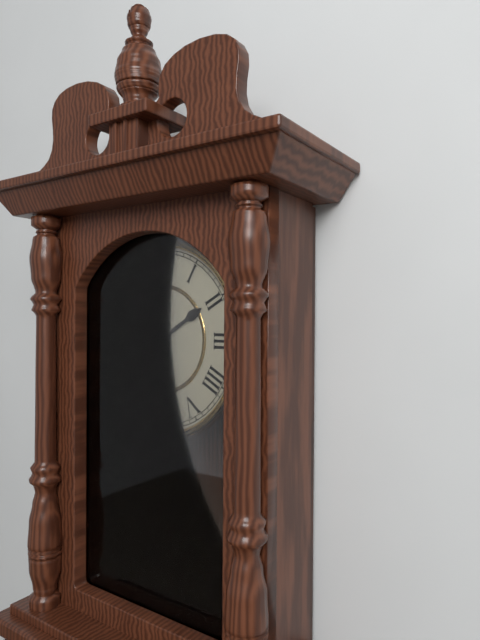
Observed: 1.57
